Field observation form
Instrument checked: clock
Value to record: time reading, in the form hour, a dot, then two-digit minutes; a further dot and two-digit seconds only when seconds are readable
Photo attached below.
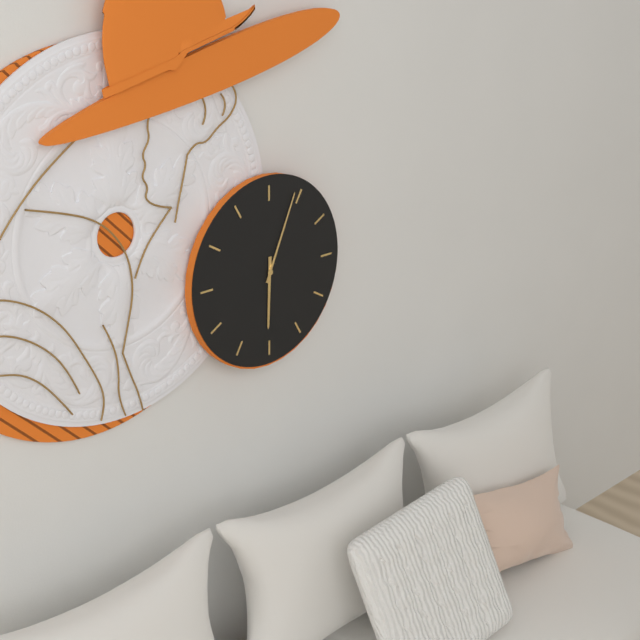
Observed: 6.04
